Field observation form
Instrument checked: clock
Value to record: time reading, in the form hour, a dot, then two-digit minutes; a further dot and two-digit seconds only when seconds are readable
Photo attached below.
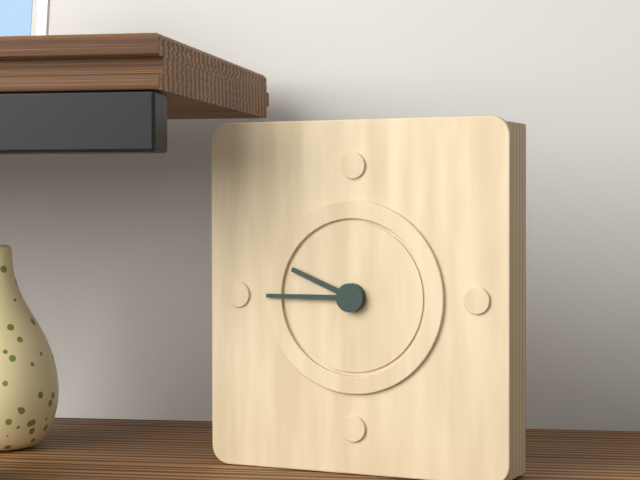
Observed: 9.45
